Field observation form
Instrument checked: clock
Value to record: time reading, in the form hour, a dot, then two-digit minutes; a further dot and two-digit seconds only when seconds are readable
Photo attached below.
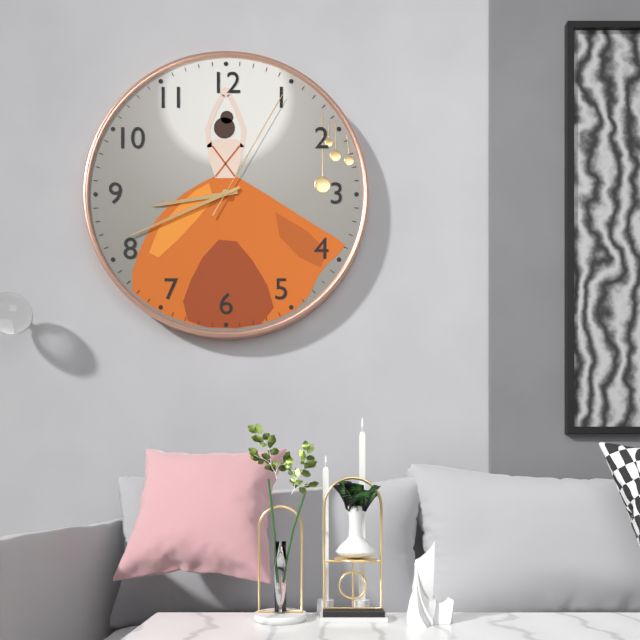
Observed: 8.41.05
